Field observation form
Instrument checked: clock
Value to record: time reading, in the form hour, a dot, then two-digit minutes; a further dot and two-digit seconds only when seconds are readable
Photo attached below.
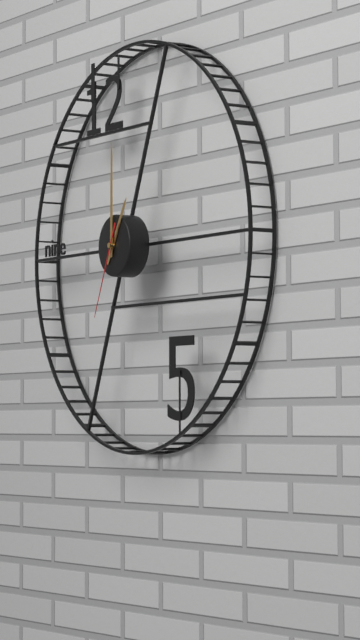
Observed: 1.00.34
